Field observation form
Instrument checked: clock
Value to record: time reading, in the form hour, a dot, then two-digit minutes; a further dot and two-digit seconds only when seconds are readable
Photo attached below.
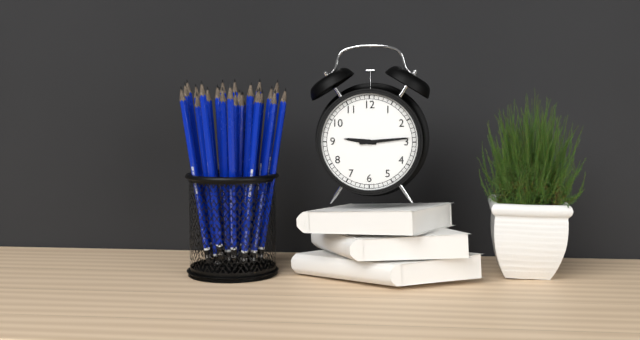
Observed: 9.14
